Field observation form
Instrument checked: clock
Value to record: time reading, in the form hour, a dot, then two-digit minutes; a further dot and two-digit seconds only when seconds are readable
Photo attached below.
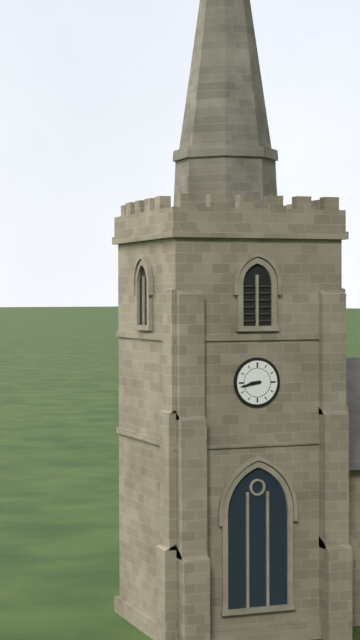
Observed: 8.43
